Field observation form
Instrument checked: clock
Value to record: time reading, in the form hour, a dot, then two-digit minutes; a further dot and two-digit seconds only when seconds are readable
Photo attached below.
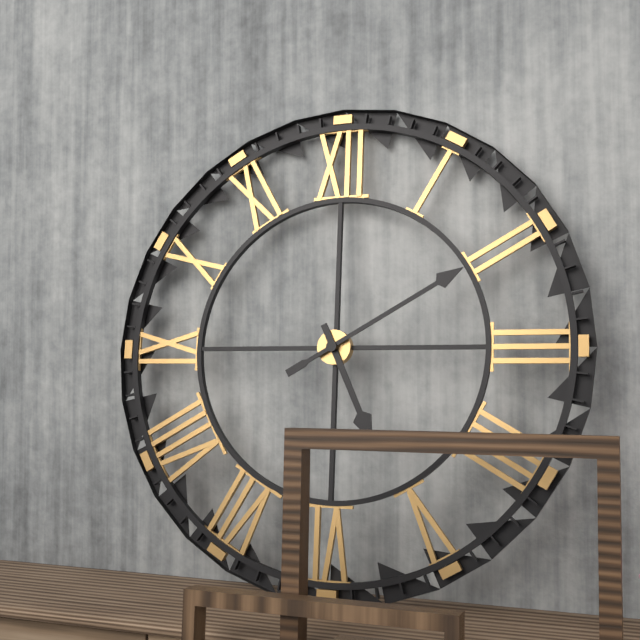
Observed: 5.10
